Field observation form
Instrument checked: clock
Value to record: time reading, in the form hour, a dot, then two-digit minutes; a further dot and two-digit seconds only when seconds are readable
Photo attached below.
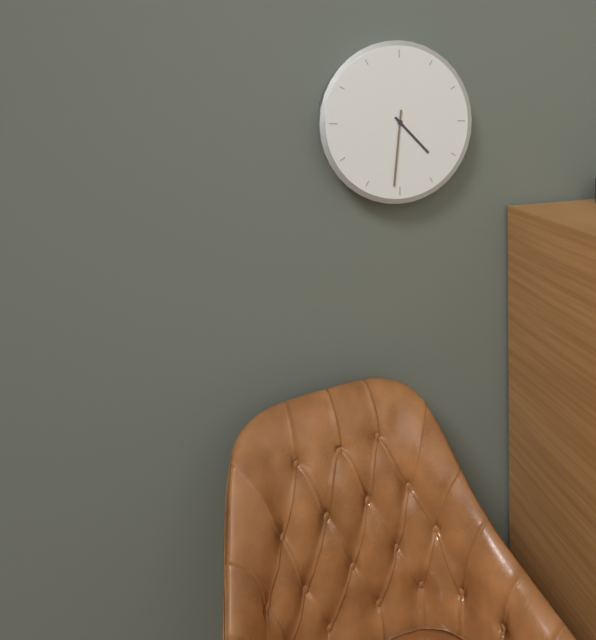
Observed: 4.31
